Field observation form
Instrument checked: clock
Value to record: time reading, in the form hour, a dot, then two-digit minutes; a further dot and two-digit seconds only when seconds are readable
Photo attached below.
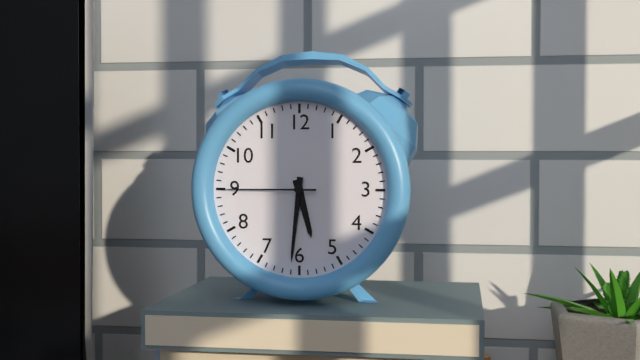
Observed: 5.31.45
